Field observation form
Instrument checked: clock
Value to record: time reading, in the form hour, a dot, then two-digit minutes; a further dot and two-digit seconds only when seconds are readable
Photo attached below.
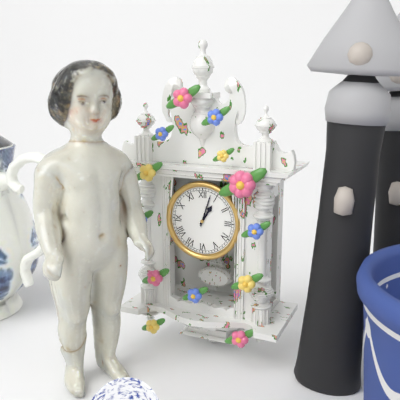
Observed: 1.03
